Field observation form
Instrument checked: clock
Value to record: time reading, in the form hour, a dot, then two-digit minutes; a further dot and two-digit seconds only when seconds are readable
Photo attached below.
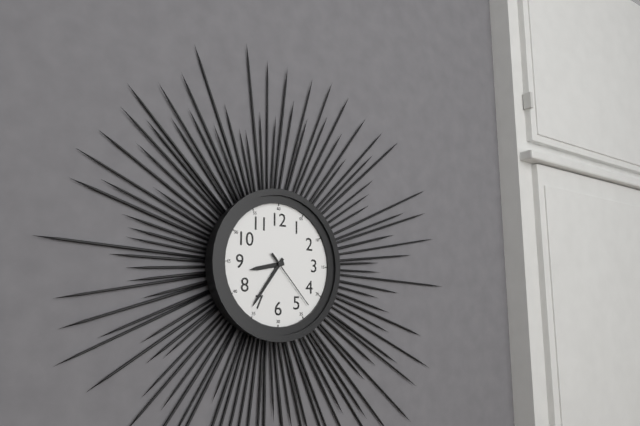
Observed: 8.36.23
